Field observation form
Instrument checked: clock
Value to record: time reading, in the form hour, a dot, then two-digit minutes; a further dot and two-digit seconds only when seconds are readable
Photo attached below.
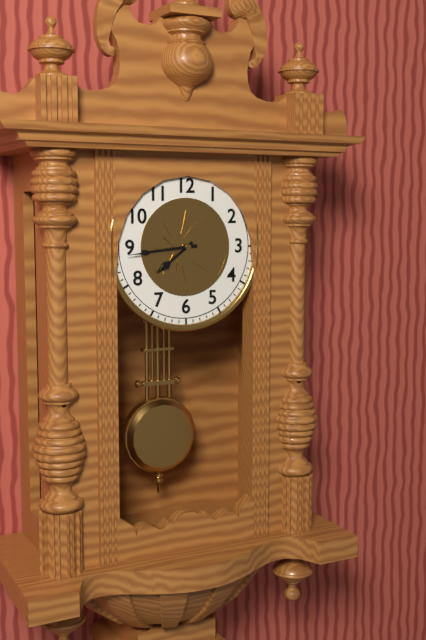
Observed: 7.44
